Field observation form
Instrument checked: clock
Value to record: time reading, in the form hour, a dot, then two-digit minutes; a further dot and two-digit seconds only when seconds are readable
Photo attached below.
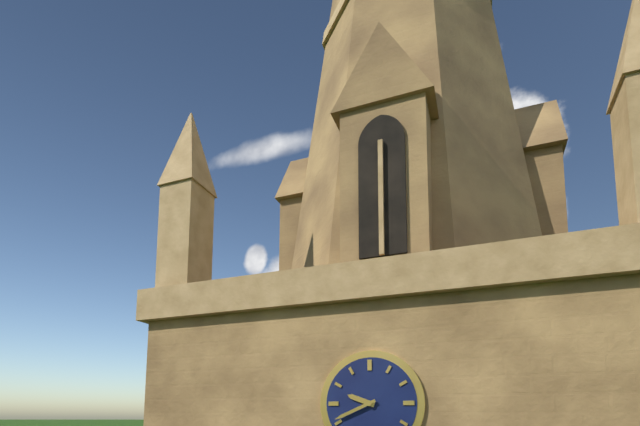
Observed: 9.41
